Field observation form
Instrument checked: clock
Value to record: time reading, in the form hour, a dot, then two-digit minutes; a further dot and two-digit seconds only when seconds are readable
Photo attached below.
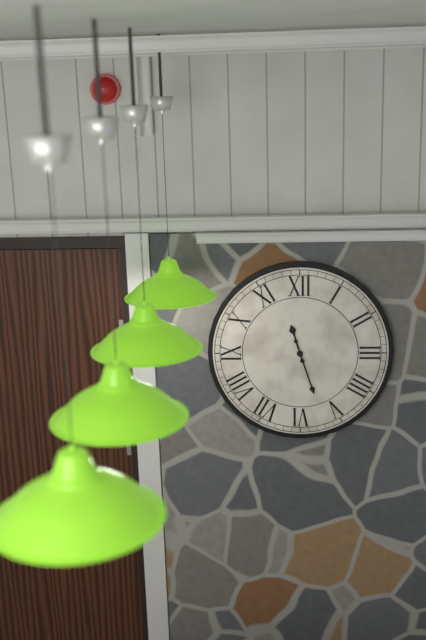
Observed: 11.27
